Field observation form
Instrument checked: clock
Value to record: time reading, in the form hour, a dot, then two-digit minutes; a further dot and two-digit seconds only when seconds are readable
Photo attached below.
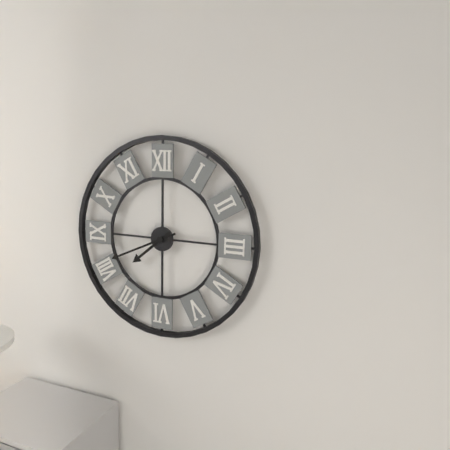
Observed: 7.41
